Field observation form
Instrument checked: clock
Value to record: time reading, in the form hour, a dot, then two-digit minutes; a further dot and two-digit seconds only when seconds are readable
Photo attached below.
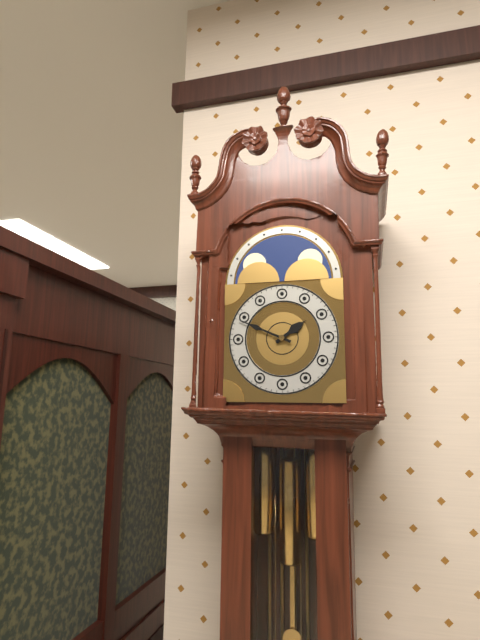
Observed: 1.49
